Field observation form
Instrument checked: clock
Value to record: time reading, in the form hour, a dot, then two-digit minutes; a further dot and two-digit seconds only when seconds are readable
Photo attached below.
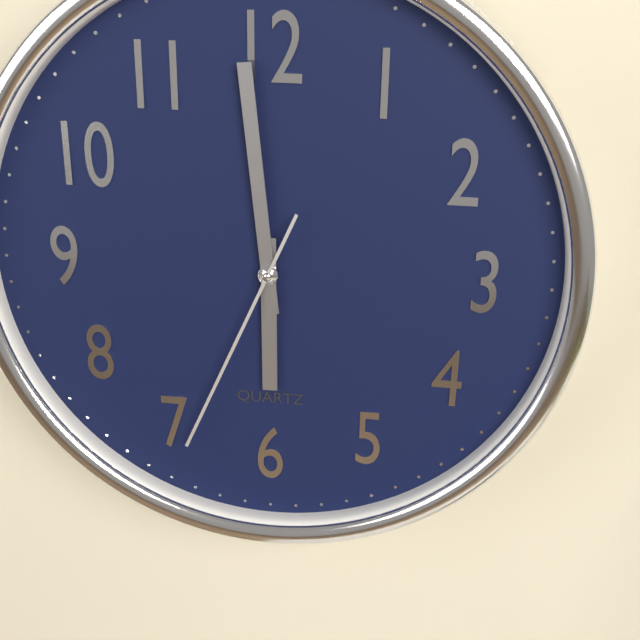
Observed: 5.59.34
